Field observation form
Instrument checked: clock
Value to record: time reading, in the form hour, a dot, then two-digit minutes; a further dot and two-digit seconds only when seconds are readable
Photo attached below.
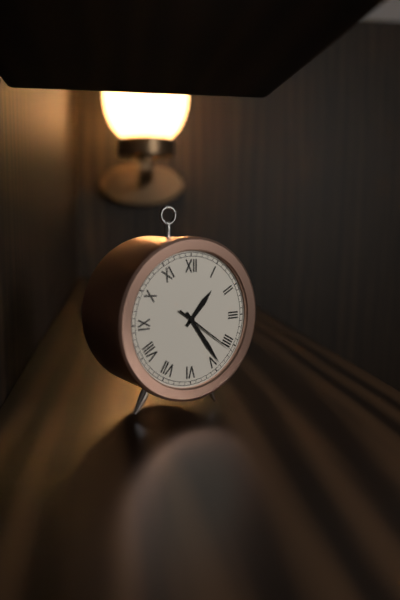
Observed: 1.24.21
